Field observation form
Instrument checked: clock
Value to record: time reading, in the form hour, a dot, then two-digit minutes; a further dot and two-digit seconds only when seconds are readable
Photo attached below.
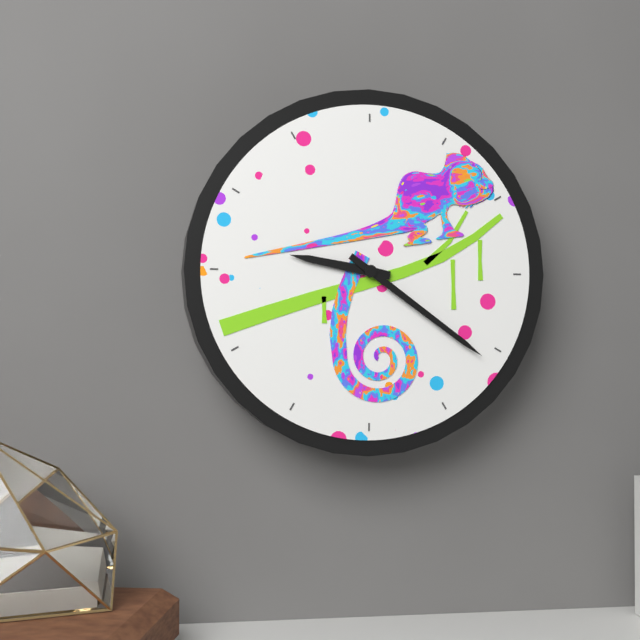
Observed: 9.21
